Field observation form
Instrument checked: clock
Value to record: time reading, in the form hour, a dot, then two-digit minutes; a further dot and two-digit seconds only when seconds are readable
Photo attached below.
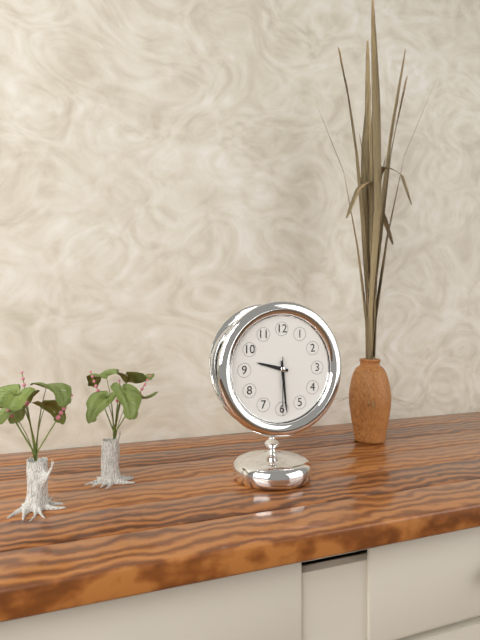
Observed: 9.29.30
